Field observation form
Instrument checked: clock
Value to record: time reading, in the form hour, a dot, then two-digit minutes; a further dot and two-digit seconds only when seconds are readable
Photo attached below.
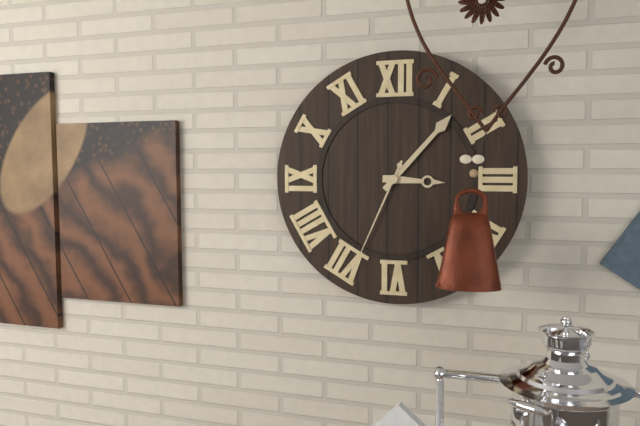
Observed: 3.07.34
